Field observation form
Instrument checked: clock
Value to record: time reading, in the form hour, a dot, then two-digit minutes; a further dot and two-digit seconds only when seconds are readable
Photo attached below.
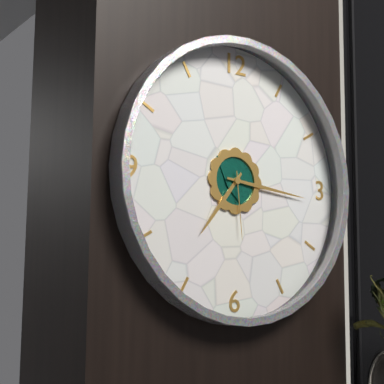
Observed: 7.16.29
